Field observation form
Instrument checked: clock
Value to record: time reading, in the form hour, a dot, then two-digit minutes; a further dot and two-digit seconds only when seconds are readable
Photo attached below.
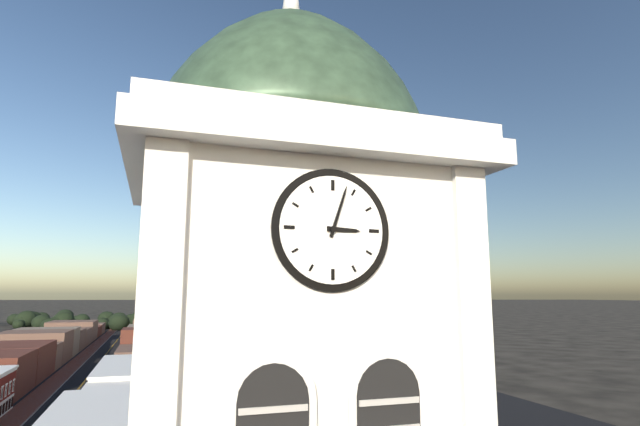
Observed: 3.03
